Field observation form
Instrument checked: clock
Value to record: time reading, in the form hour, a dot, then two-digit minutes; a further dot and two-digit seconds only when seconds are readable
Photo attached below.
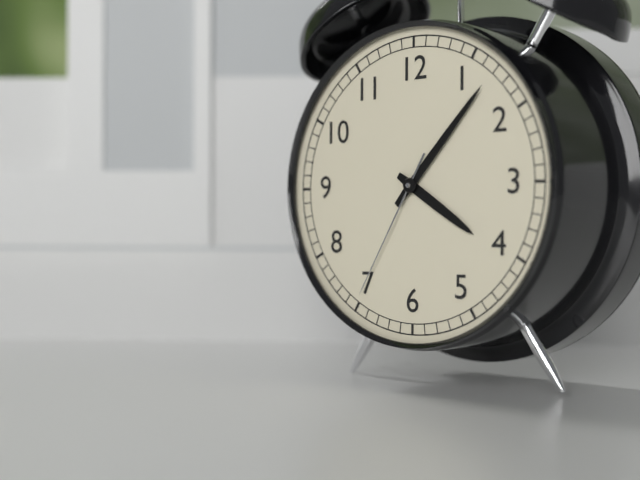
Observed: 4.07.35
